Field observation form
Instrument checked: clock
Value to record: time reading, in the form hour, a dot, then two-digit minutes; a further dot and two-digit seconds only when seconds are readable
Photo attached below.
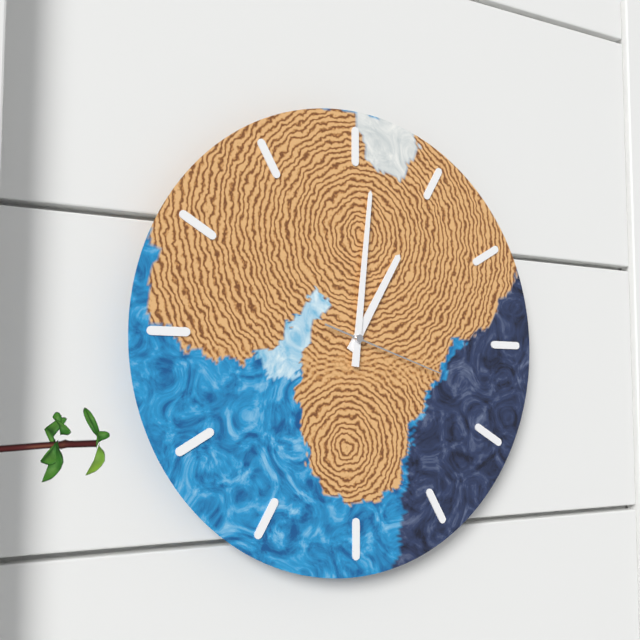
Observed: 1.01.18
